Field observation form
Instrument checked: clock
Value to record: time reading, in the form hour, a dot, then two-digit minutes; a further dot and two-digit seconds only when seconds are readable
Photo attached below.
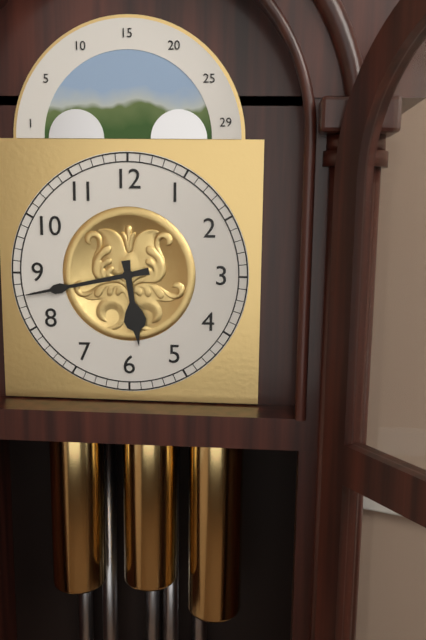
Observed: 5.43
